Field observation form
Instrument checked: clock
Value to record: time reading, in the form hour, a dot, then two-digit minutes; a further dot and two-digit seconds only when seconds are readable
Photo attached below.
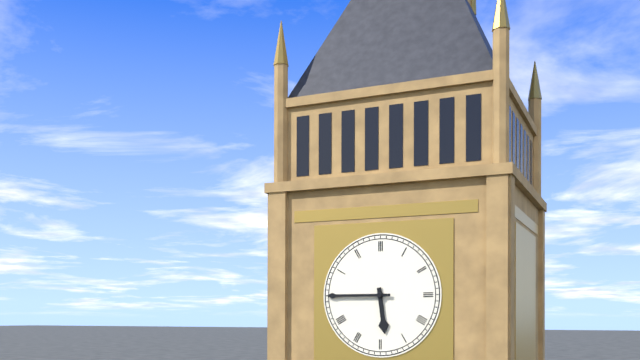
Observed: 5.45
